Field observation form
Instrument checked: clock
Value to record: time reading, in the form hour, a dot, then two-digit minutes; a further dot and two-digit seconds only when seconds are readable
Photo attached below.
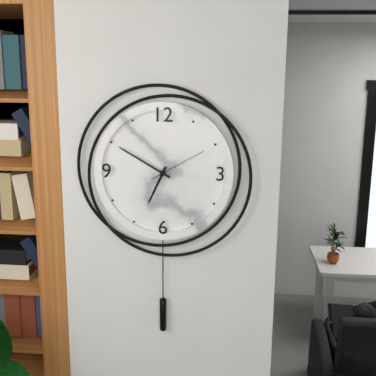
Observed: 6.50.10
